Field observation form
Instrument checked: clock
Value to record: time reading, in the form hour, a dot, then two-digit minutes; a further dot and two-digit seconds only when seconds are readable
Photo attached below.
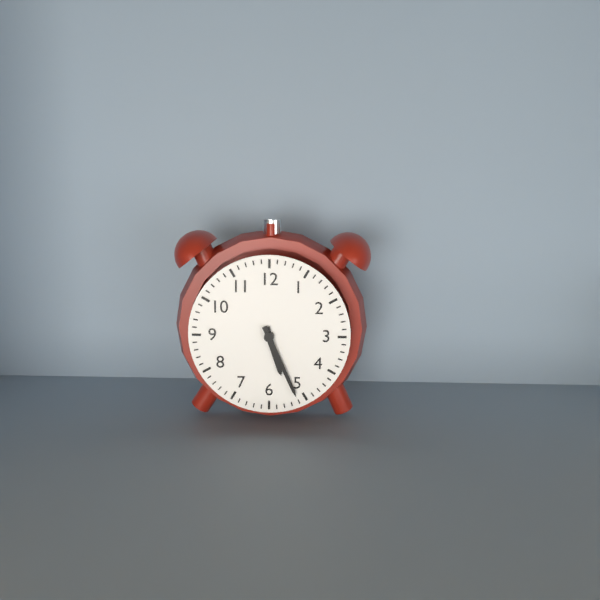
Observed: 5.26
